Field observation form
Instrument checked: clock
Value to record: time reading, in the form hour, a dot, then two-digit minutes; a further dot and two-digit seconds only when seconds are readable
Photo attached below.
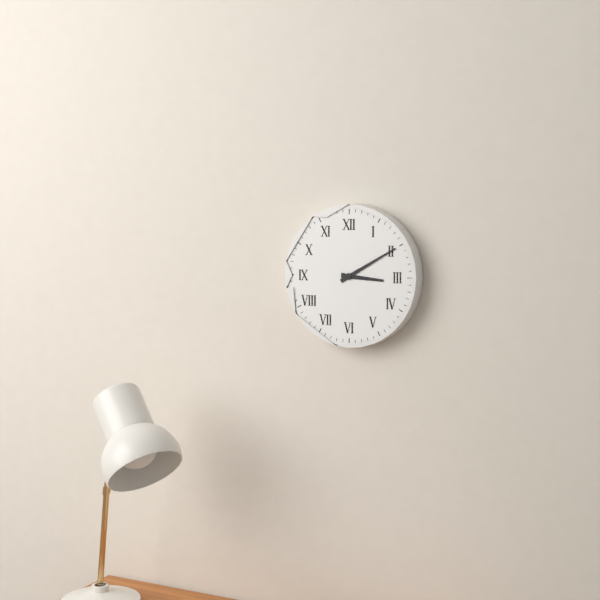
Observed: 3.10
